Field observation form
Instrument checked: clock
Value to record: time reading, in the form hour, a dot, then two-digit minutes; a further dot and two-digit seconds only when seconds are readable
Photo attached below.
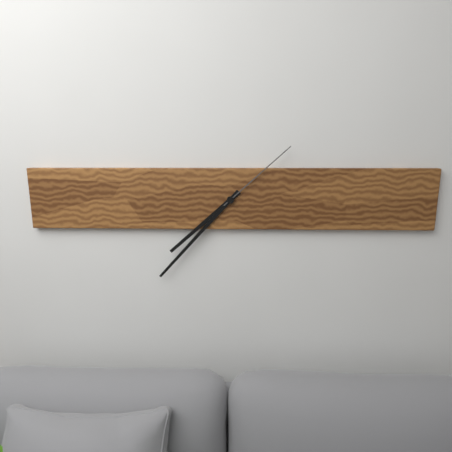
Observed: 7.37.08
